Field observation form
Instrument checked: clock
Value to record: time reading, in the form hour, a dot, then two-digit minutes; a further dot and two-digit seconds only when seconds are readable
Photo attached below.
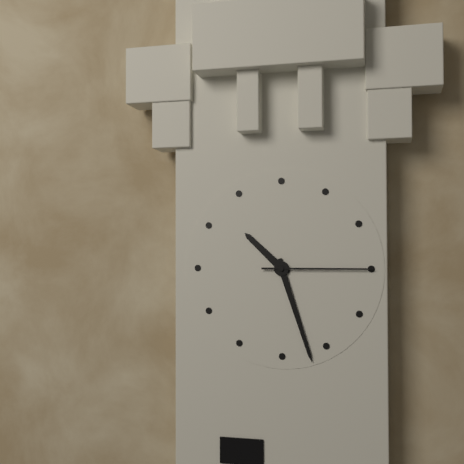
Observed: 10.27.15
